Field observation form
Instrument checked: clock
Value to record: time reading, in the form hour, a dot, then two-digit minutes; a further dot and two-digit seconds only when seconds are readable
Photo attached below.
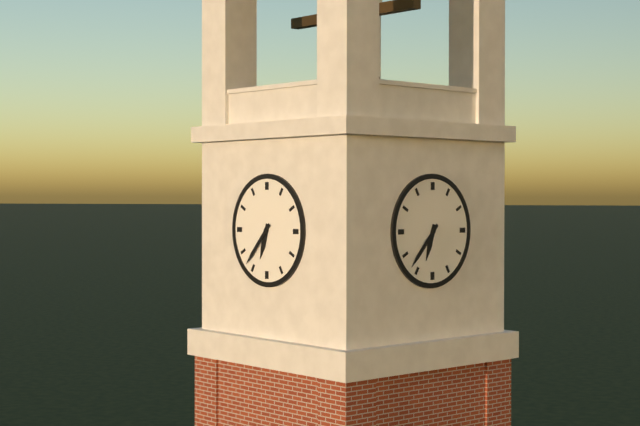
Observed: 6.37
